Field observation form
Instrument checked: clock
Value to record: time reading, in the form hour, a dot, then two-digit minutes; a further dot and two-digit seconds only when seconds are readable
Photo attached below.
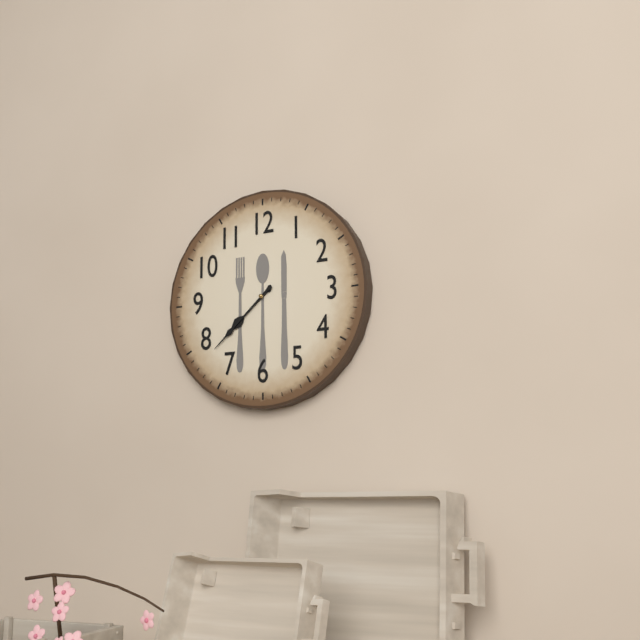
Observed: 7.38
